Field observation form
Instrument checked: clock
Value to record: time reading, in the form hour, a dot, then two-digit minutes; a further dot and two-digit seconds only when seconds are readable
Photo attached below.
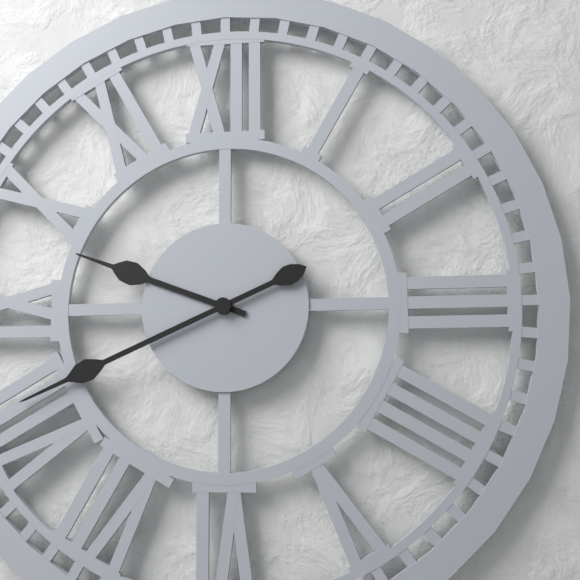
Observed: 9.41
